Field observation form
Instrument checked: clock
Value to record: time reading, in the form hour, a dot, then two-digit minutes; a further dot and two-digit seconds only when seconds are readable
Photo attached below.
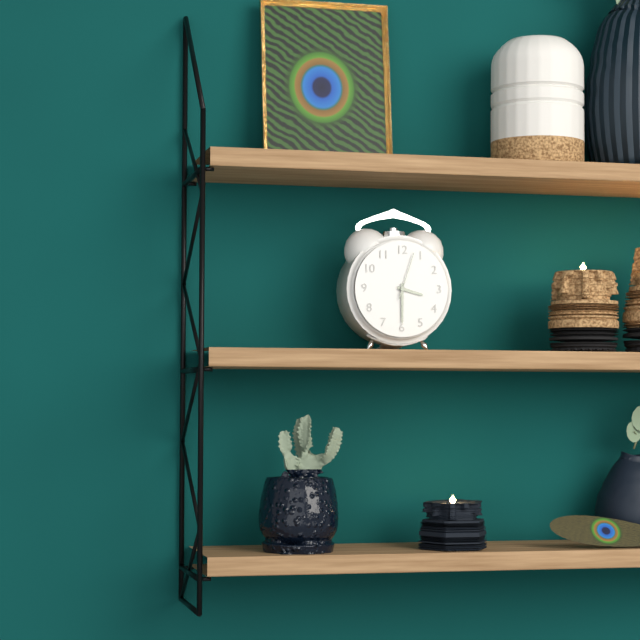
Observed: 3.30
